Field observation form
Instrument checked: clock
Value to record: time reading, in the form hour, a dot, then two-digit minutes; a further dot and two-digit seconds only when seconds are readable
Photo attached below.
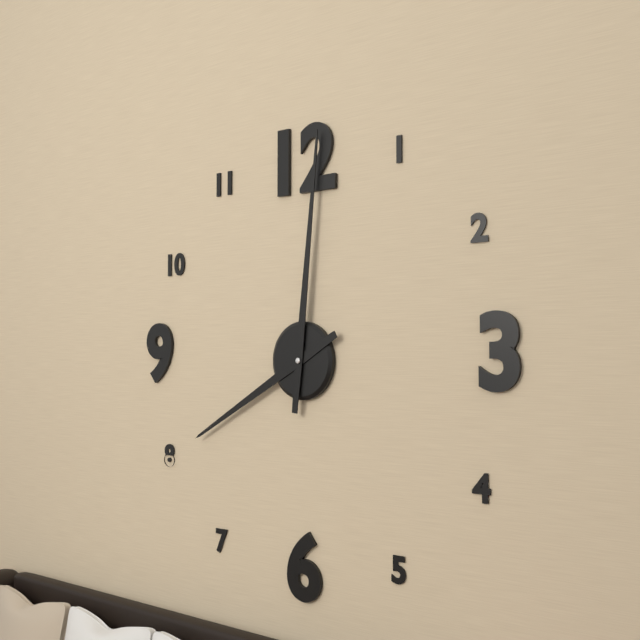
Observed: 8.01
